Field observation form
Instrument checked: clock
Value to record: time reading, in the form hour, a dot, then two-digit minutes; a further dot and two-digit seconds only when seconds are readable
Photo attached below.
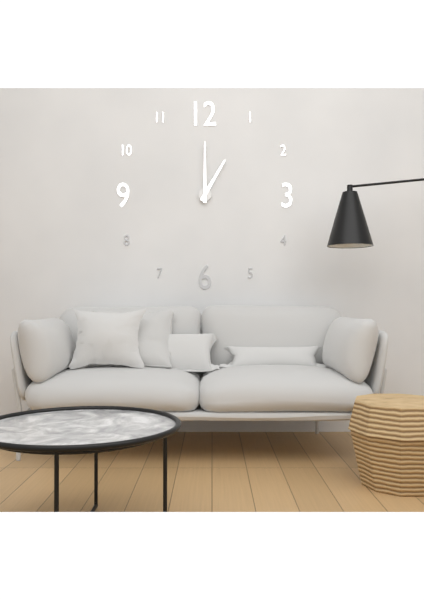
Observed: 1.00
